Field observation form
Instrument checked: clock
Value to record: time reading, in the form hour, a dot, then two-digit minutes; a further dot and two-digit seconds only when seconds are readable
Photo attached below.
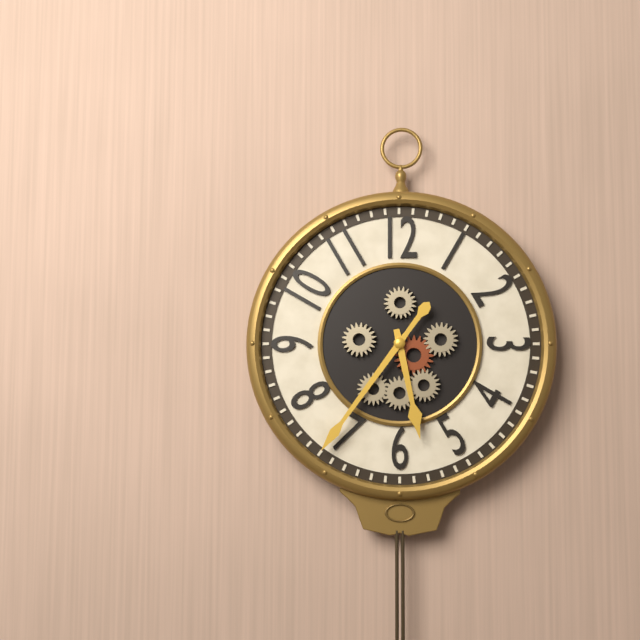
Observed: 5.36
